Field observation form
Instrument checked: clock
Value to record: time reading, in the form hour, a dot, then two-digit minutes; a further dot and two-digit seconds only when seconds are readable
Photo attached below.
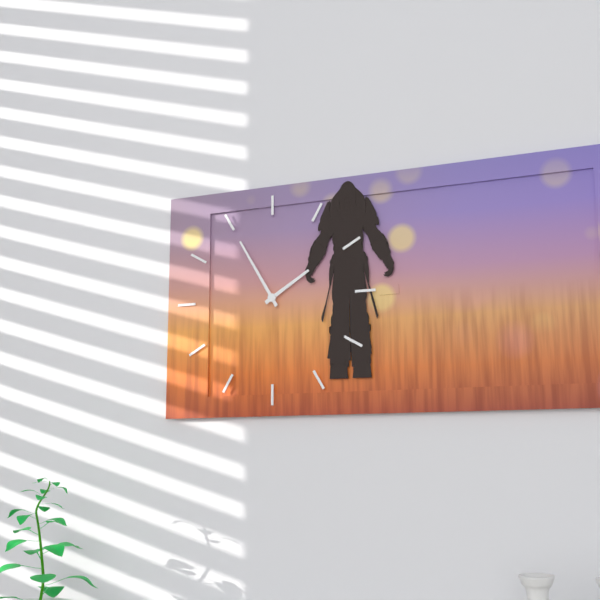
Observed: 1.55
